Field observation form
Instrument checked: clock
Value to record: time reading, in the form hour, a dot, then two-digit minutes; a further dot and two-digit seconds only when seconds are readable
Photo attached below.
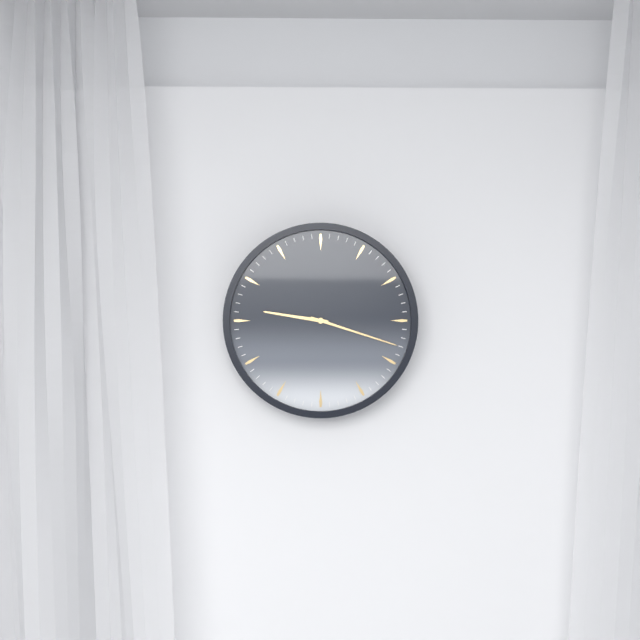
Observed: 9.18
